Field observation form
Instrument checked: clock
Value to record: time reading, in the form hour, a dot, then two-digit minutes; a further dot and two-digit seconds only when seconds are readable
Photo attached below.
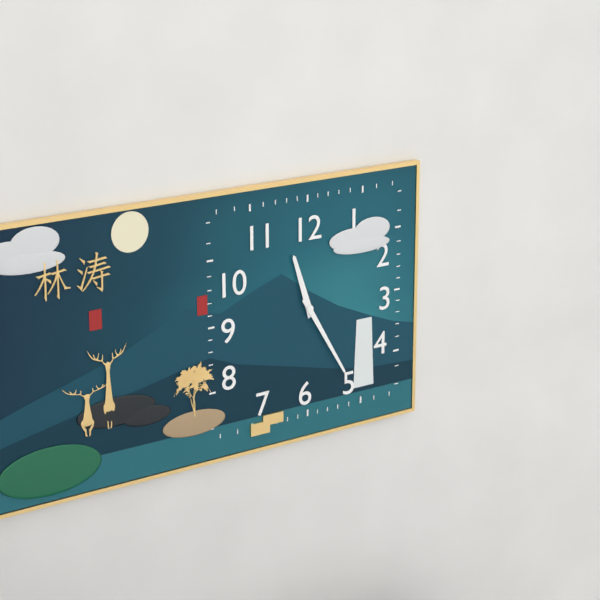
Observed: 11.25
